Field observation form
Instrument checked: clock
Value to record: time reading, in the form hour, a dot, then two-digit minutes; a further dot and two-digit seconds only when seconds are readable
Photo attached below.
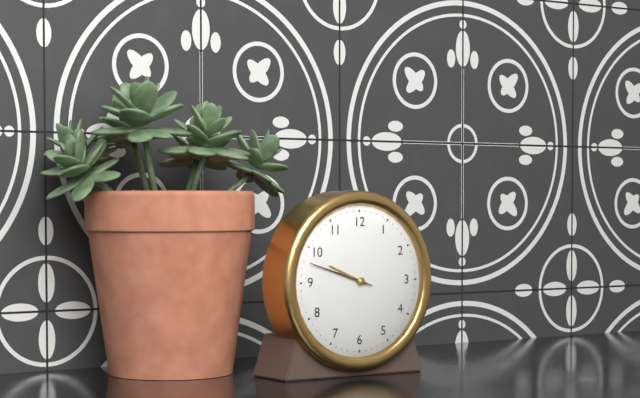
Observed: 9.48.48
